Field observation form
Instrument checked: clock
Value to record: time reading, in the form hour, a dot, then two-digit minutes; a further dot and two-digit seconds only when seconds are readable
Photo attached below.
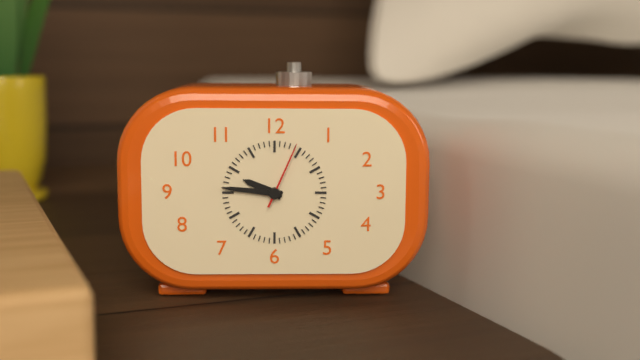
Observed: 9.46.04
